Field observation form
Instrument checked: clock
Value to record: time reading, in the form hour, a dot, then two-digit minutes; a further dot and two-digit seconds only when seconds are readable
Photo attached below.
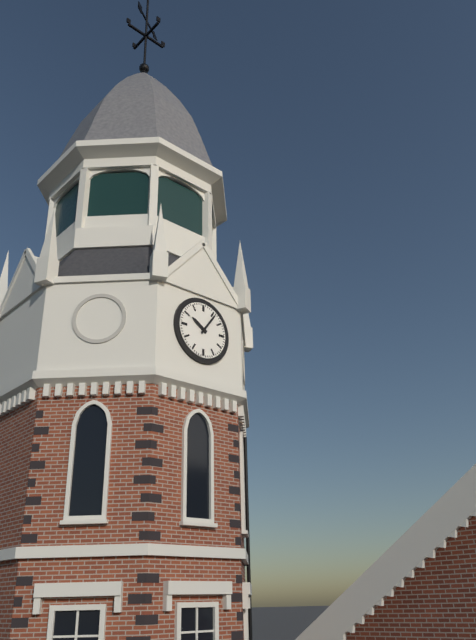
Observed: 10.06
